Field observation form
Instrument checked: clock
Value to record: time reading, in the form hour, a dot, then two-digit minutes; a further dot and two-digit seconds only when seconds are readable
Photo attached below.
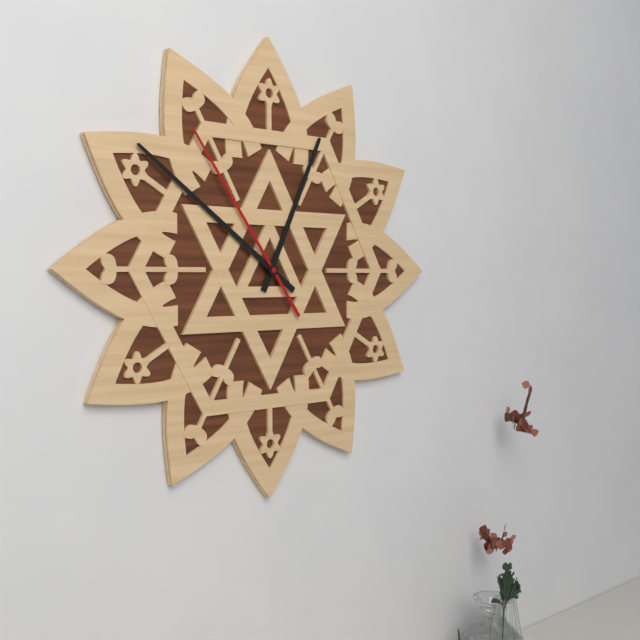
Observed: 12.51.54
